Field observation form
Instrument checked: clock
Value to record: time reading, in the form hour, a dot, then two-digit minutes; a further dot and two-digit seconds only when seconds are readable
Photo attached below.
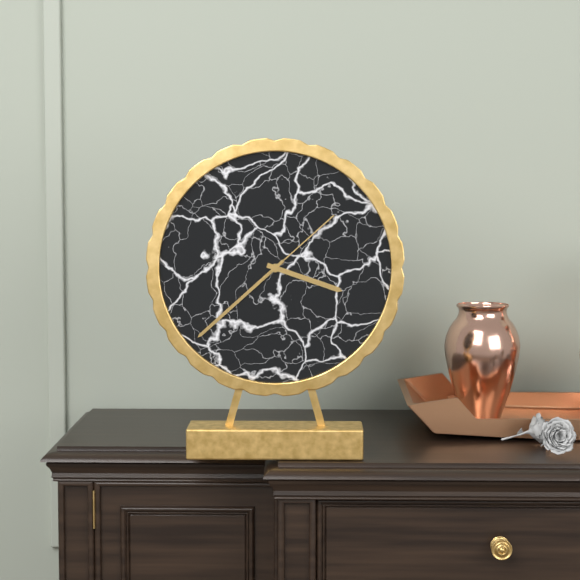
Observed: 3.38.08
